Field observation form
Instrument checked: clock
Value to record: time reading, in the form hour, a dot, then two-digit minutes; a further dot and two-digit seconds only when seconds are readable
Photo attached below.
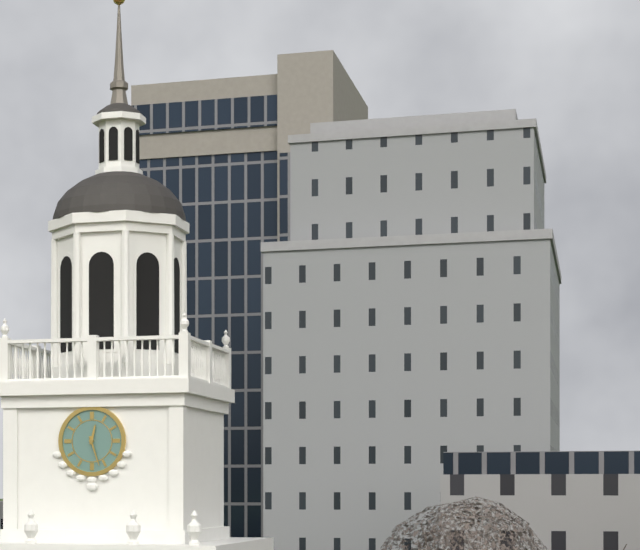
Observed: 12.27
